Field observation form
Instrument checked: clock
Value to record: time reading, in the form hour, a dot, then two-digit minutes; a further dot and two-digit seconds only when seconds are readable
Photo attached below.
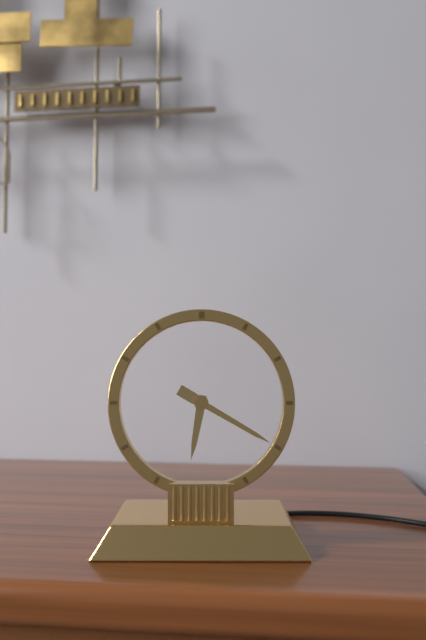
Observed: 6.20
